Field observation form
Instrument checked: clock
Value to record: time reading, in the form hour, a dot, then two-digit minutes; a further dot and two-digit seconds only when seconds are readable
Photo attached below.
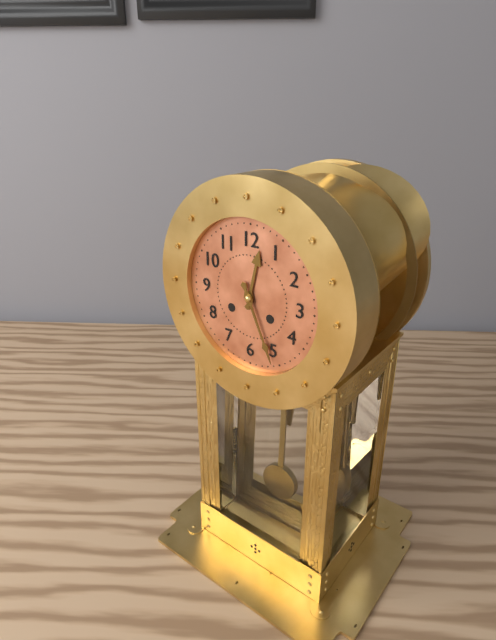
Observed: 12.26
